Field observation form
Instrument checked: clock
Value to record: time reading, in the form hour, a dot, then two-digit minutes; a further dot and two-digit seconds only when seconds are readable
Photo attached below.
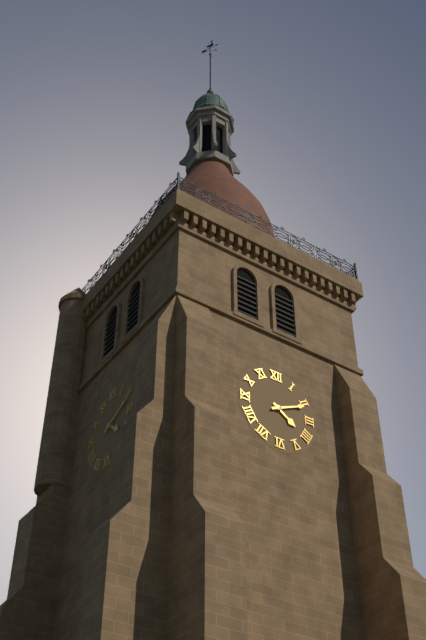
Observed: 4.11
